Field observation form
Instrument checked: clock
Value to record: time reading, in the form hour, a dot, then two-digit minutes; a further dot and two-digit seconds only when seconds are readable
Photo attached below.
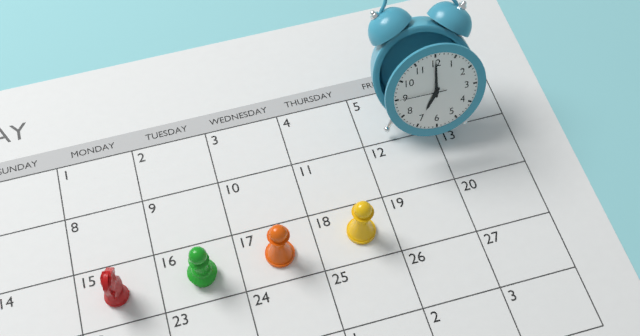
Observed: 7.00
